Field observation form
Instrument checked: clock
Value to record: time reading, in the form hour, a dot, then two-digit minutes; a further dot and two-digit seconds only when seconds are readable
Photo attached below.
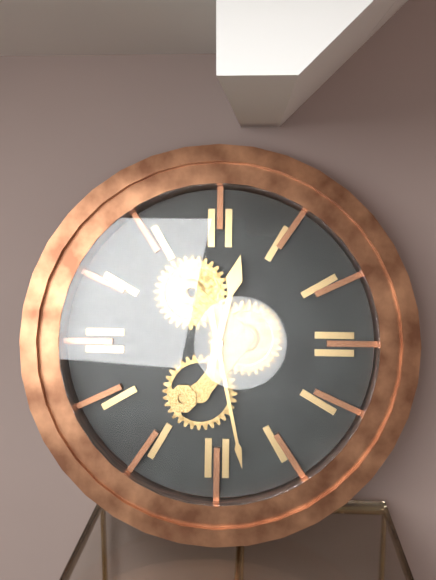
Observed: 12.28
